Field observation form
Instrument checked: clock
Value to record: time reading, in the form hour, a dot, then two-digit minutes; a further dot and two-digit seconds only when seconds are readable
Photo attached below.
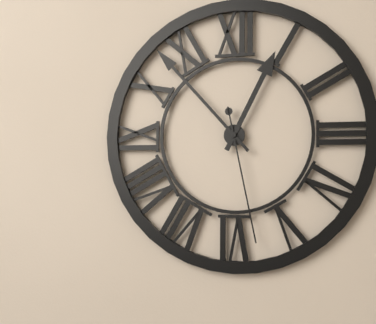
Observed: 12.53.28
